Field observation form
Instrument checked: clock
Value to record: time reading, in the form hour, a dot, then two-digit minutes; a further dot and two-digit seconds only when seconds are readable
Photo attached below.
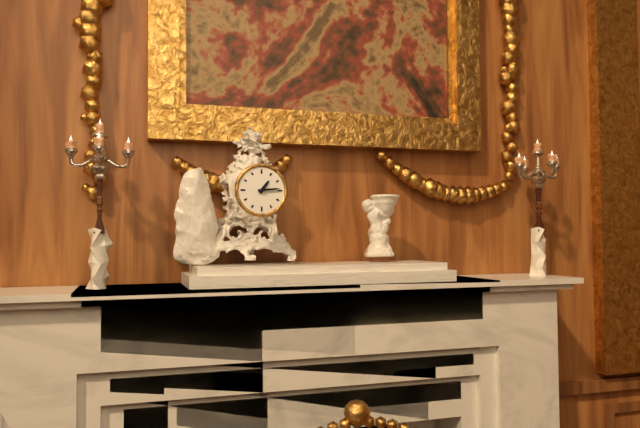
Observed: 1.14
